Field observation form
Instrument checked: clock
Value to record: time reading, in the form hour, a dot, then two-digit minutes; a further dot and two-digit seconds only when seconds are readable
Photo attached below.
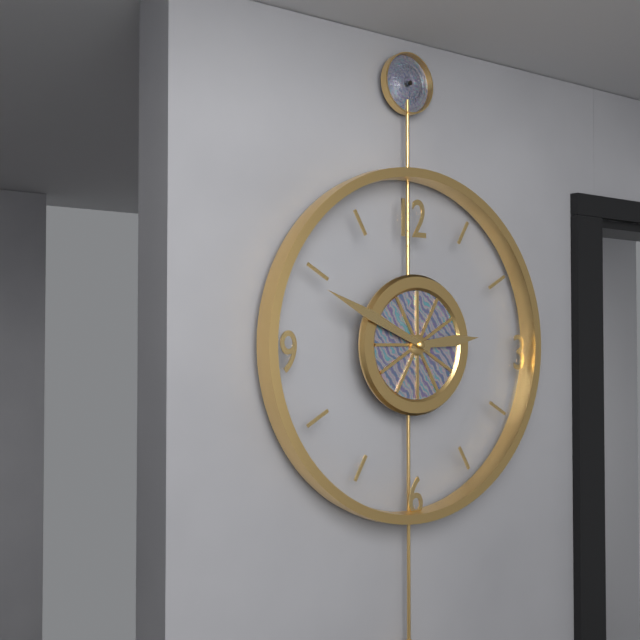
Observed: 2.49
